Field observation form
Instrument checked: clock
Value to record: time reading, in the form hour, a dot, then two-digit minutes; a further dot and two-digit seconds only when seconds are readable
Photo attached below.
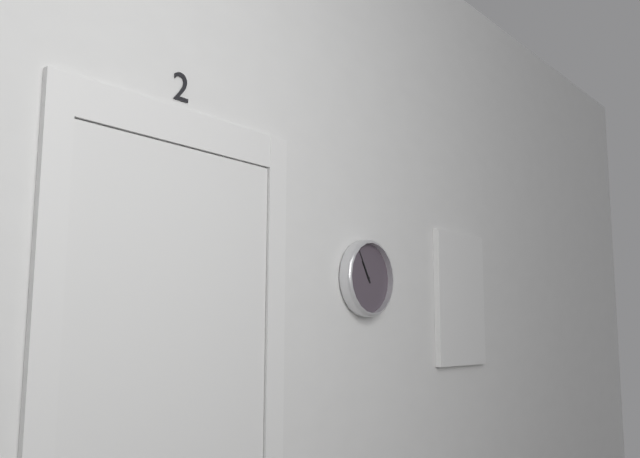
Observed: 10.55
